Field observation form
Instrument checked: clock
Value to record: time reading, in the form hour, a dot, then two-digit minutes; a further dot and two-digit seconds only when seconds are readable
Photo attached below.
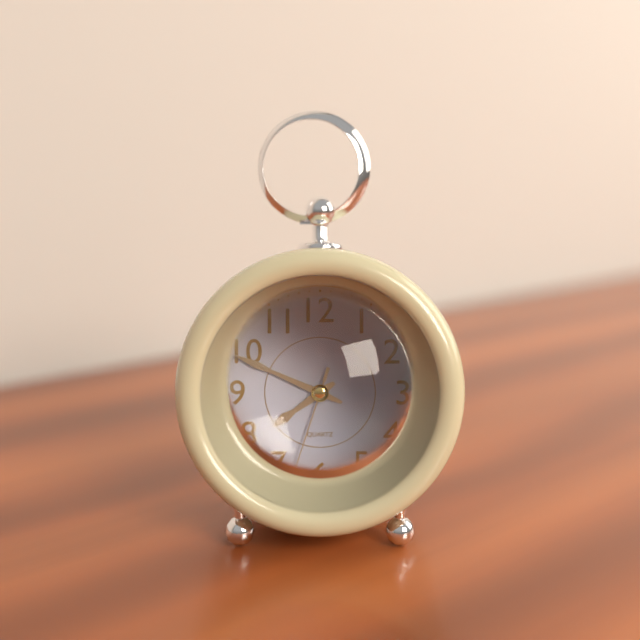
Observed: 7.49.33
